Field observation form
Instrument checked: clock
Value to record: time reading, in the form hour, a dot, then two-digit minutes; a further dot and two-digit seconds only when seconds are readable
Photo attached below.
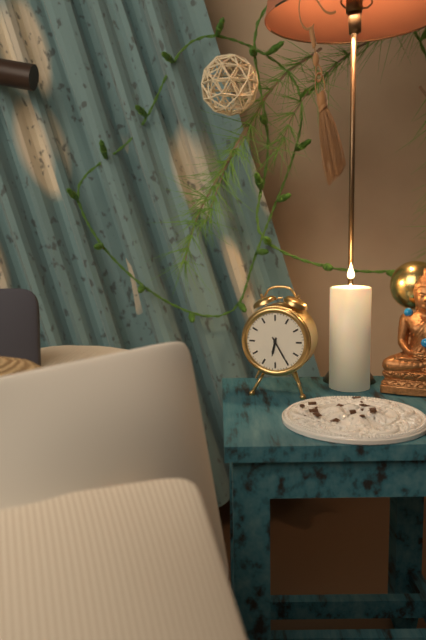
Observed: 6.25
